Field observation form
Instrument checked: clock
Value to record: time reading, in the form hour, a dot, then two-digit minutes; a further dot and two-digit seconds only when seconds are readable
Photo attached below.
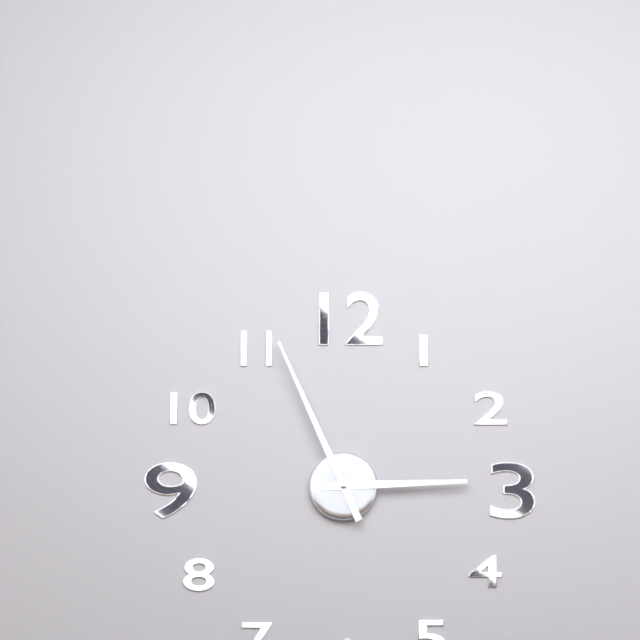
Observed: 2.56
